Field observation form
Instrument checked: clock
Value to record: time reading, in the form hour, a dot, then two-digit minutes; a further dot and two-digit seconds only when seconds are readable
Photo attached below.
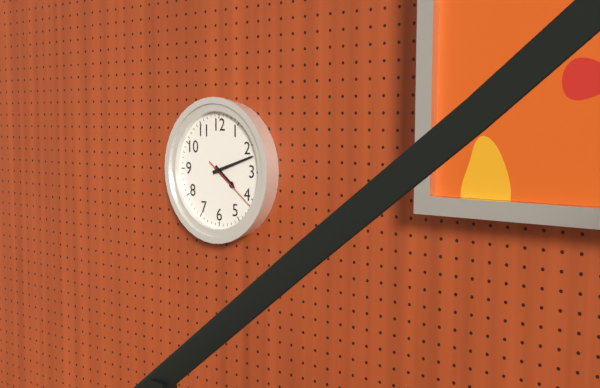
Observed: 4.12.21
